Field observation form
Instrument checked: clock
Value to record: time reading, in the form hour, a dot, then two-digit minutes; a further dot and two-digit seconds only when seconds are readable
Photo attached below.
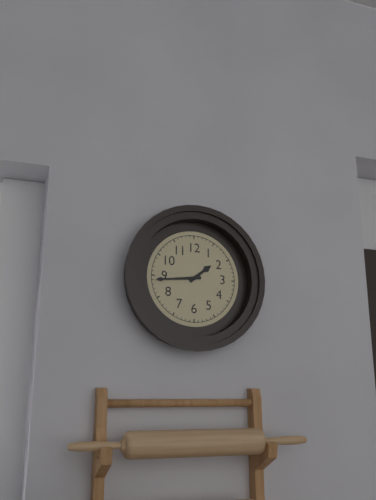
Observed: 1.44
